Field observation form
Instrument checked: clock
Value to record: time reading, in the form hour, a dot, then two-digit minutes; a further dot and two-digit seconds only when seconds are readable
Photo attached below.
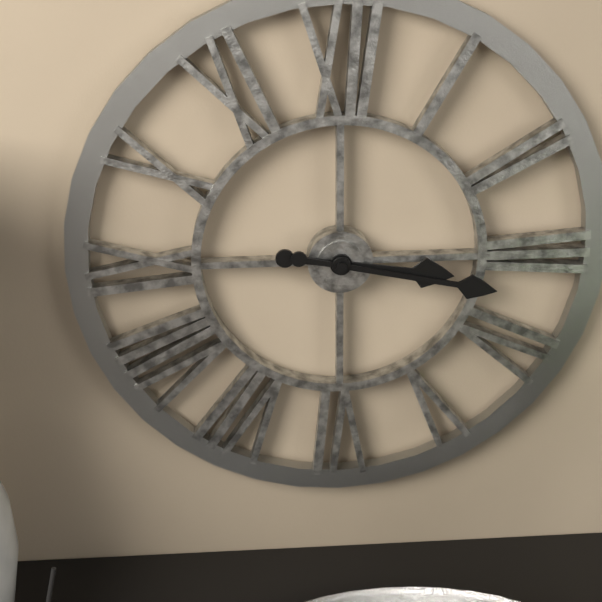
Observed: 3.17
